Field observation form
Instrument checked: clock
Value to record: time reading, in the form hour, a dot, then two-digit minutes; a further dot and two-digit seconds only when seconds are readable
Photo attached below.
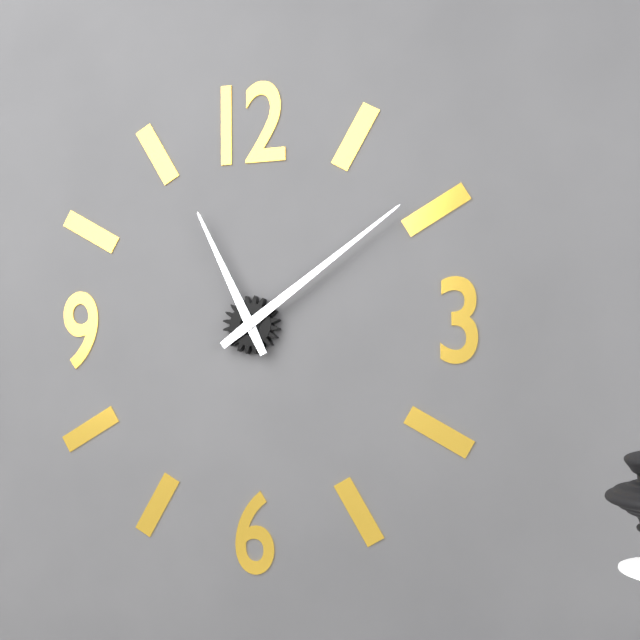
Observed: 11.09
